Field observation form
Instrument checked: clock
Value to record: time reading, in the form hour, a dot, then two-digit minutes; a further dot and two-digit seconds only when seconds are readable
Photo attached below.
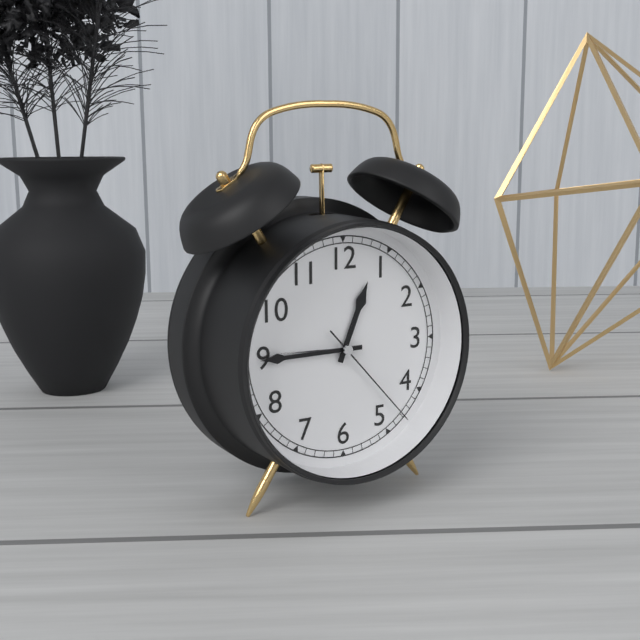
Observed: 12.45.23
